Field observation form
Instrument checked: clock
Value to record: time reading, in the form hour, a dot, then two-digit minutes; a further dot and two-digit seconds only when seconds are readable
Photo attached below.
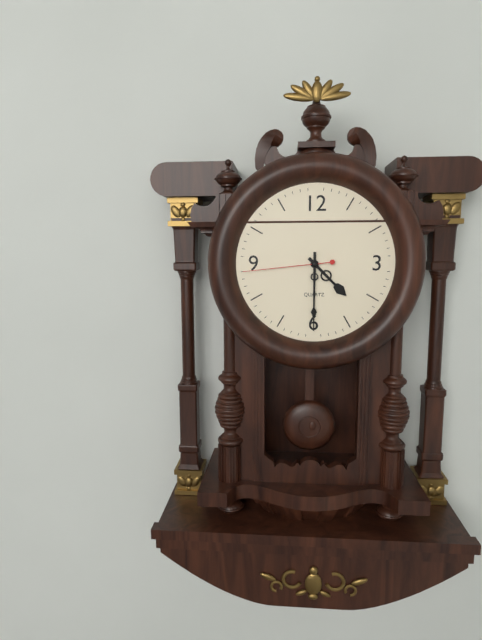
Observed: 4.30.44
